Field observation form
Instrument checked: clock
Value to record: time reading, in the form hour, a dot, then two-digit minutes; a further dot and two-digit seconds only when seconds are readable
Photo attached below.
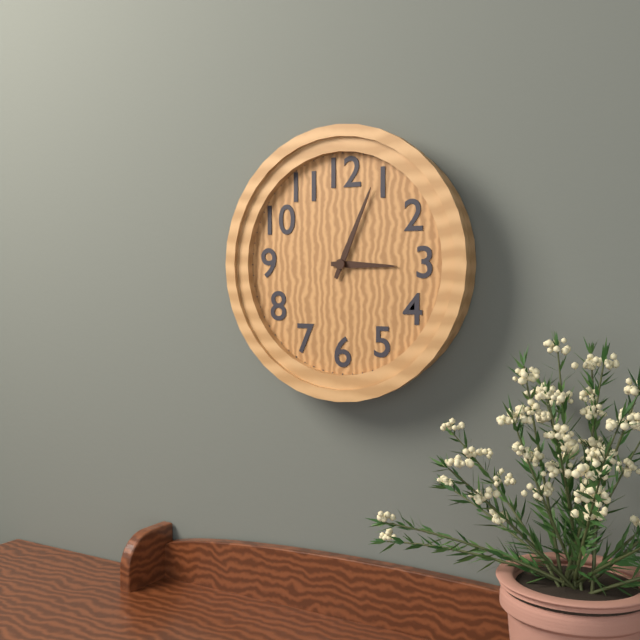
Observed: 3.04
